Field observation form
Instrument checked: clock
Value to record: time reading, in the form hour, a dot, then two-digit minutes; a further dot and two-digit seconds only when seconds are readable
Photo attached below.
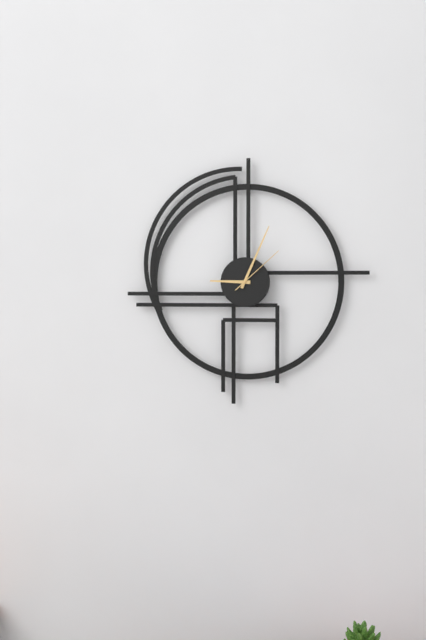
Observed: 9.04.08
